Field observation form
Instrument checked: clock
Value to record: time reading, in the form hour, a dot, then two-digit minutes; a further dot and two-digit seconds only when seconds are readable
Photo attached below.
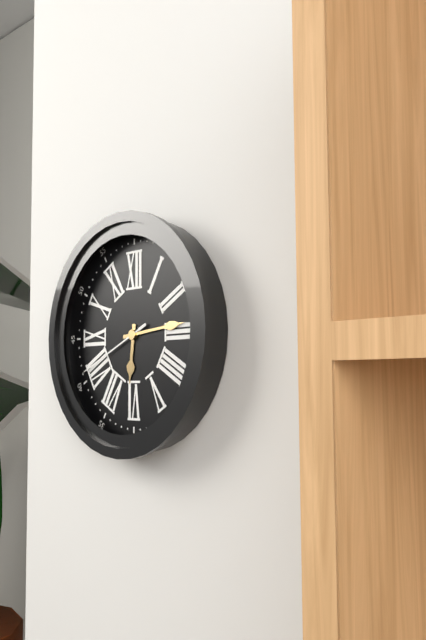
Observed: 6.14.41
